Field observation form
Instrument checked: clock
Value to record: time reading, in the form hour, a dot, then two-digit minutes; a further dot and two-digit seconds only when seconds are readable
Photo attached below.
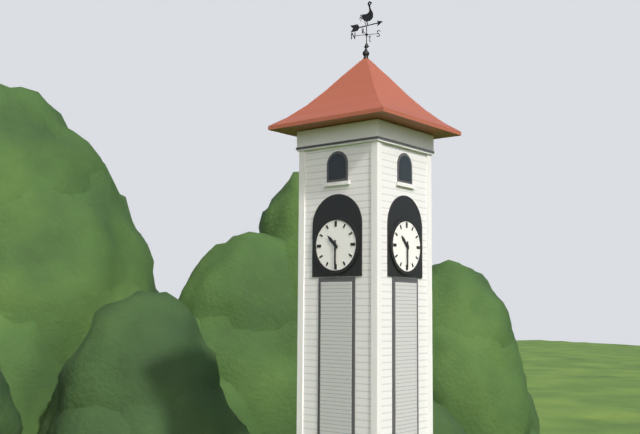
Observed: 10.30
